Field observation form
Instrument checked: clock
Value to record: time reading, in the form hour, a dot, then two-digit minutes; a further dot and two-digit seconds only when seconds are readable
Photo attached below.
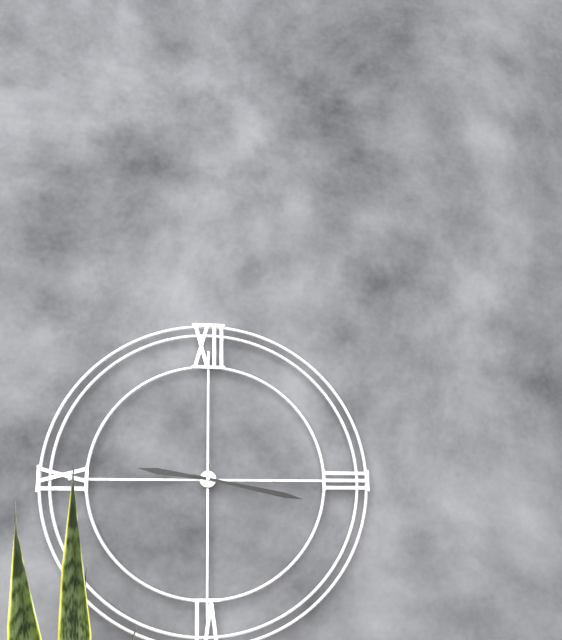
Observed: 9.17
